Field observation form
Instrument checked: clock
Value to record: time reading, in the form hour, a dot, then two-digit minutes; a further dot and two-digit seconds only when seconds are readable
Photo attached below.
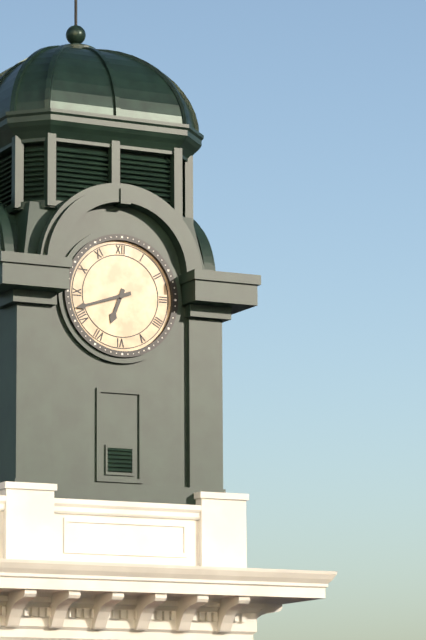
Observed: 6.42
